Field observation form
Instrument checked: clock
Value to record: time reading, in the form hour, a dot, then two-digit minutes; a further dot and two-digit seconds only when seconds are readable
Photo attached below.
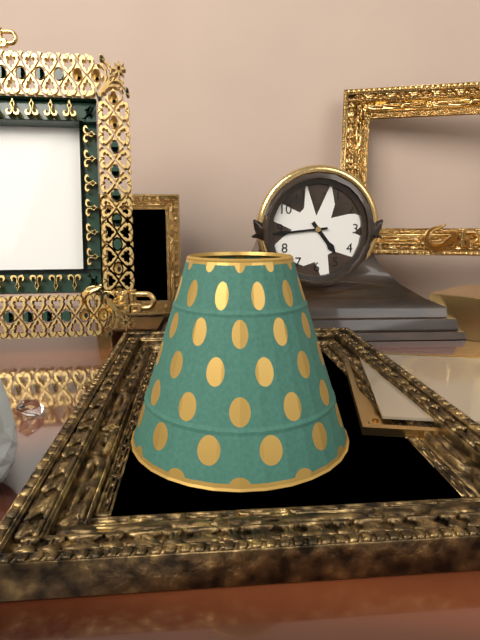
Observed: 4.44
